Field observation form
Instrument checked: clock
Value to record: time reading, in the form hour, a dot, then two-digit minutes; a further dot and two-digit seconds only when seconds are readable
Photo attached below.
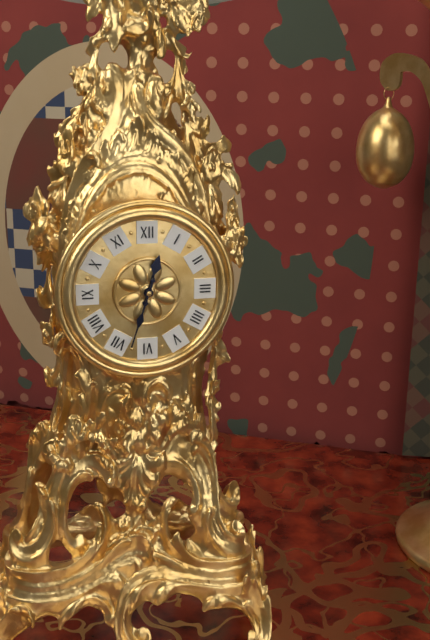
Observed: 12.33
